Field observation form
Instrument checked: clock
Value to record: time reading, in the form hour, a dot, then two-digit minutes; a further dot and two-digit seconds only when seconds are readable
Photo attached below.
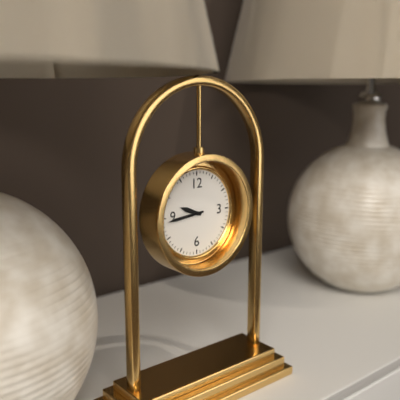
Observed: 9.44
